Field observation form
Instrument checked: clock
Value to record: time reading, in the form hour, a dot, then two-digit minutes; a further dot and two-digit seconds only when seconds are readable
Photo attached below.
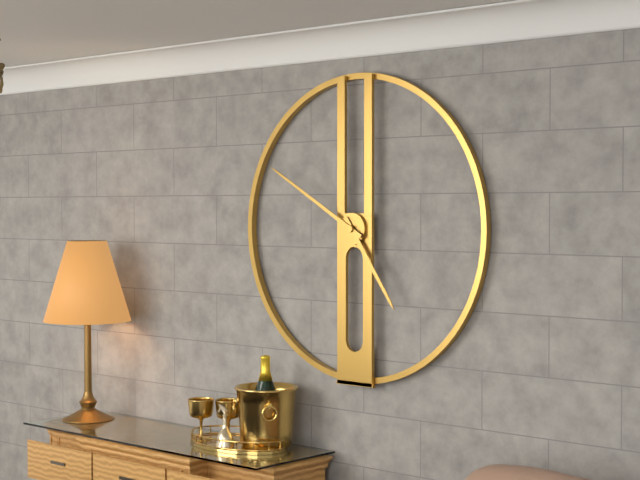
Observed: 4.50
